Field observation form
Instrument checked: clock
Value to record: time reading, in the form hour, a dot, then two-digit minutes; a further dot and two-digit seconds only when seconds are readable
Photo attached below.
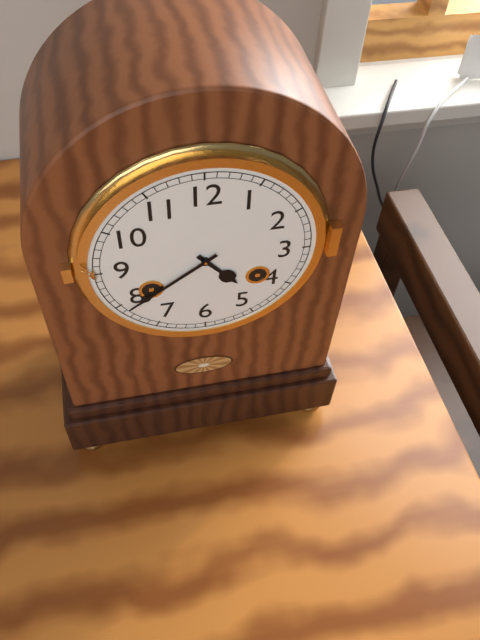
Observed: 4.39
